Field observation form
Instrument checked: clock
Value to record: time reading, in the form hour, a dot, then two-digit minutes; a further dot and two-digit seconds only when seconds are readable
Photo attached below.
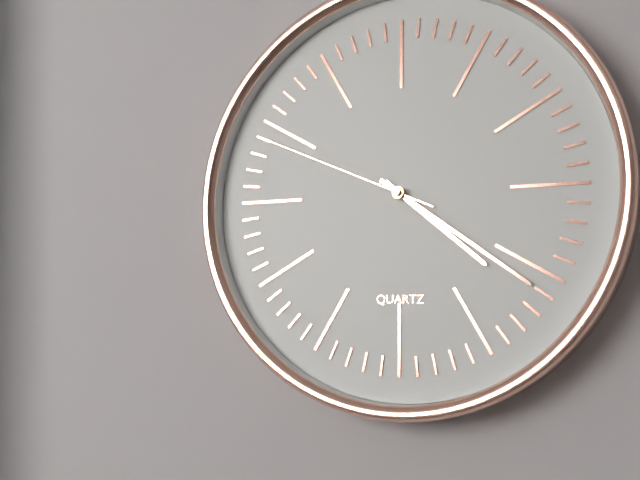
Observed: 4.21.49
